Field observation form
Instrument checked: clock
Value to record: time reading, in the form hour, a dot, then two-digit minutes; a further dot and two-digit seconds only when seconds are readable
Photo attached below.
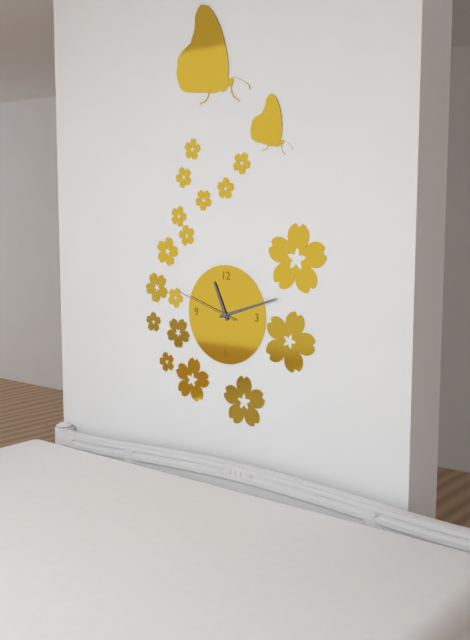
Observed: 11.12.48
